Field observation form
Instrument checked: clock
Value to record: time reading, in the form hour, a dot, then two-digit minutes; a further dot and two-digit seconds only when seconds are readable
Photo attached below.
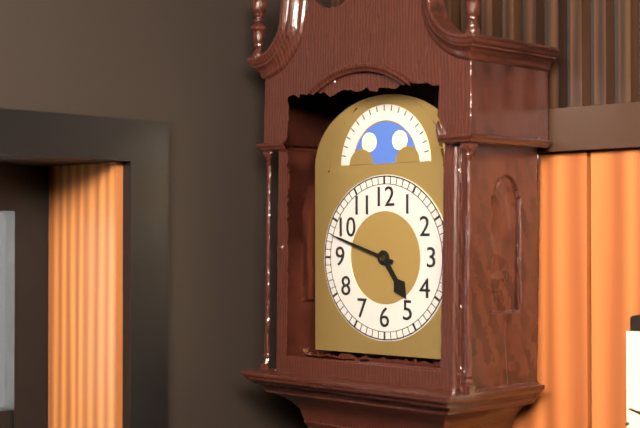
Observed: 4.48
